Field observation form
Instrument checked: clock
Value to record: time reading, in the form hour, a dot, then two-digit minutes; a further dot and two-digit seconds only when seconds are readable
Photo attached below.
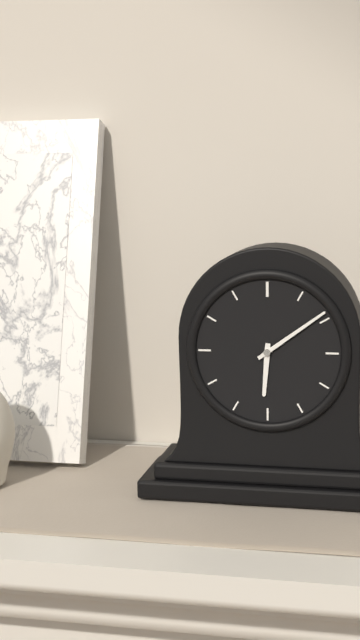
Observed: 6.09
